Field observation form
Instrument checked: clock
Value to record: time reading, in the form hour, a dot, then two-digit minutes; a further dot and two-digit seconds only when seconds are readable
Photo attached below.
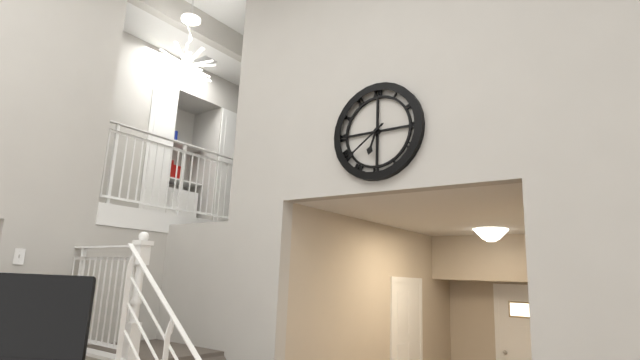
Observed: 6.39
